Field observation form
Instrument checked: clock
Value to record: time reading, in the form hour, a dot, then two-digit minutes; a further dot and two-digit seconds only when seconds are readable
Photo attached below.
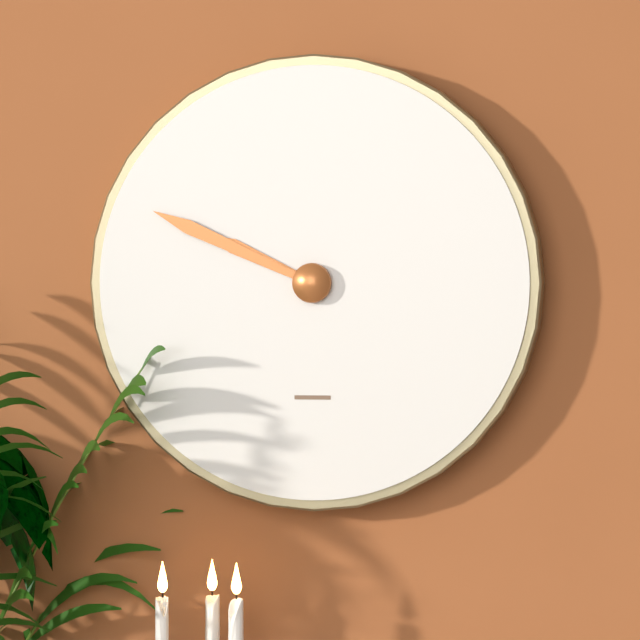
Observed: 9.49
